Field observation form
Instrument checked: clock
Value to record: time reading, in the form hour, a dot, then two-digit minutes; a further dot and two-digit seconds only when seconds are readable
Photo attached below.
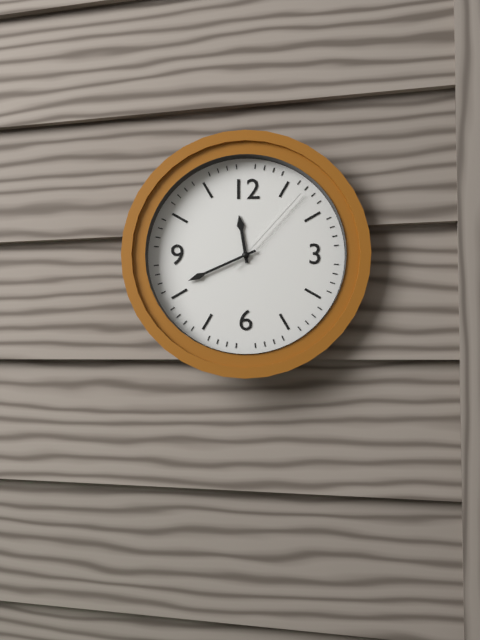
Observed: 11.41.07
